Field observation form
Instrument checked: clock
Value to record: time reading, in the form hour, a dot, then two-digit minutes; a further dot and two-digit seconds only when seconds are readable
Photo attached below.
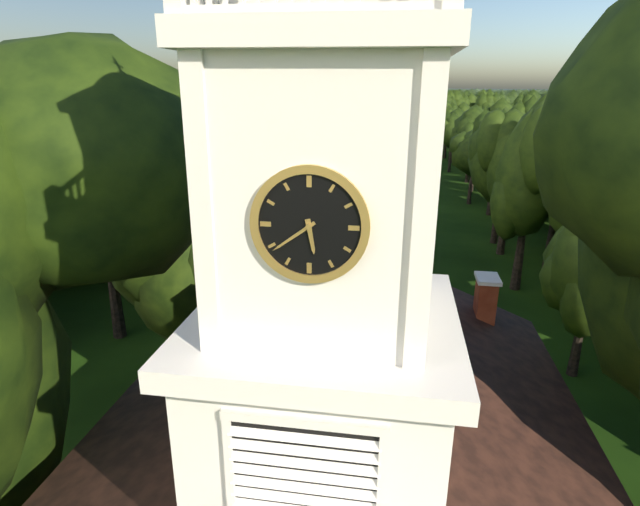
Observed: 5.39
